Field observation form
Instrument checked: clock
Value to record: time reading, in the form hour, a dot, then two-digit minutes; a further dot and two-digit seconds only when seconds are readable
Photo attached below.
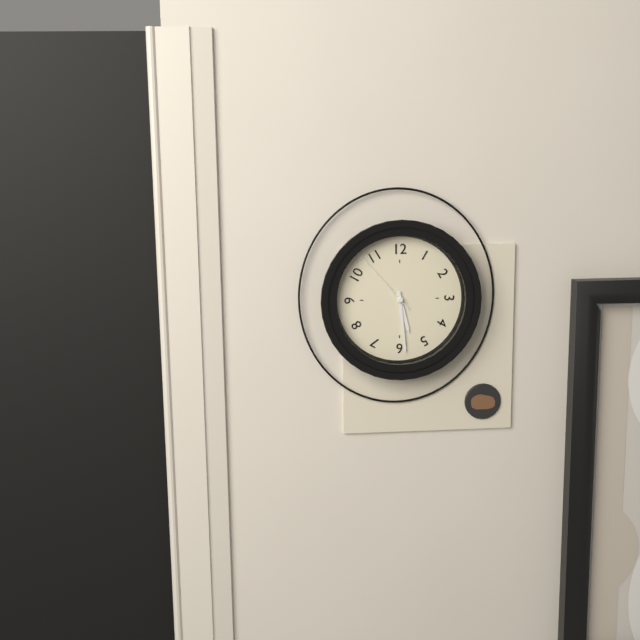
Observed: 5.29.53
